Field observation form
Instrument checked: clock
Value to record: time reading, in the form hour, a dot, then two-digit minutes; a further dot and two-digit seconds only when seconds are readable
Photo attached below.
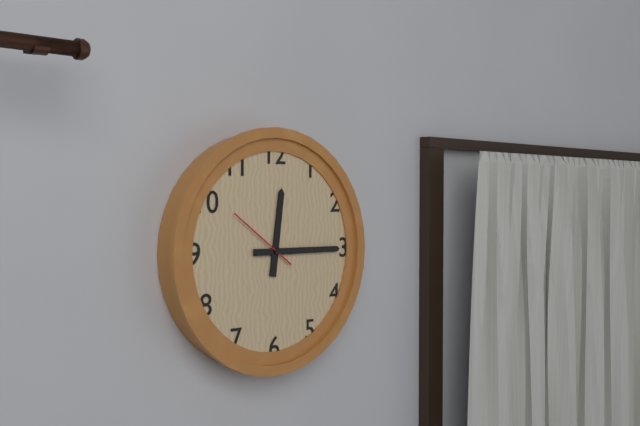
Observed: 12.15.51
